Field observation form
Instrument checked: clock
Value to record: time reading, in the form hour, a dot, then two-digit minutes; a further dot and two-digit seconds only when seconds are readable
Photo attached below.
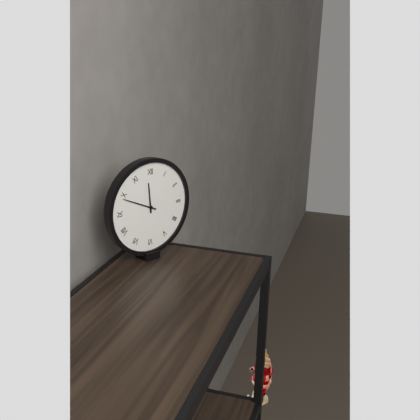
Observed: 11.49
